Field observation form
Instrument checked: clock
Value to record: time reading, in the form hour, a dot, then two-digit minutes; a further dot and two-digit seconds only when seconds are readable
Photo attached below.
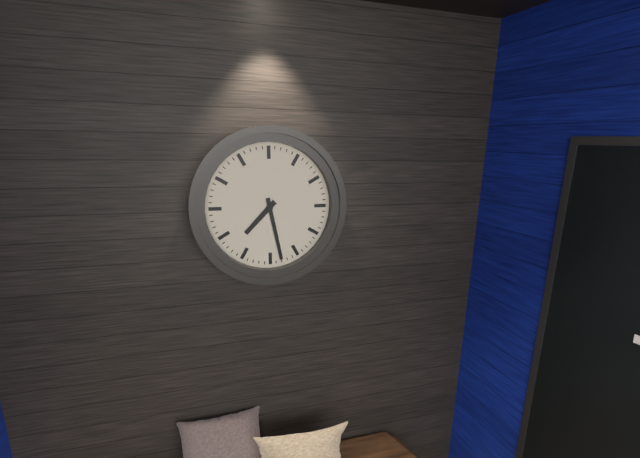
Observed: 7.28
